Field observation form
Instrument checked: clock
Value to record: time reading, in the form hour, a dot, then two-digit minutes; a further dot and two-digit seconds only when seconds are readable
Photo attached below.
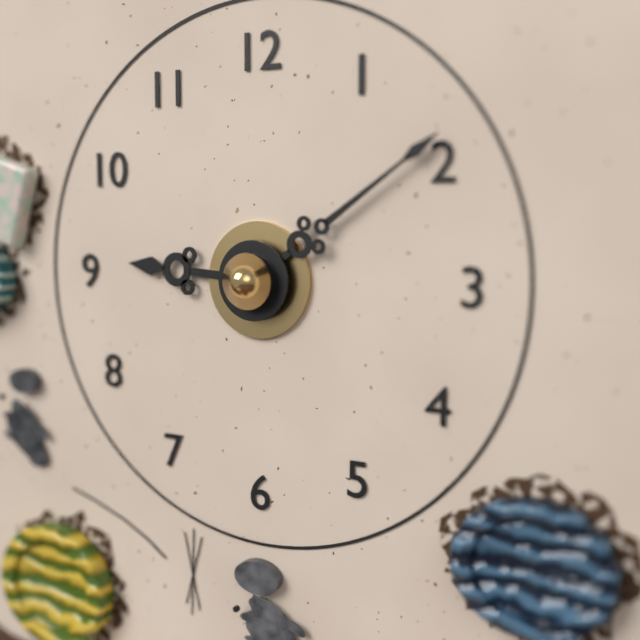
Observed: 9.09
